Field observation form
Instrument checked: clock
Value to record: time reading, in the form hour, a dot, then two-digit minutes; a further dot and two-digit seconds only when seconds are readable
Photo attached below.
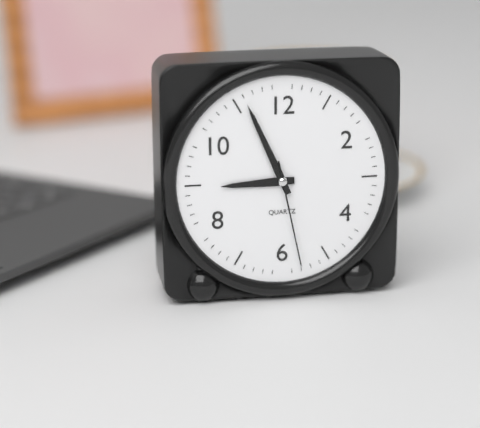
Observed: 8.56.28
